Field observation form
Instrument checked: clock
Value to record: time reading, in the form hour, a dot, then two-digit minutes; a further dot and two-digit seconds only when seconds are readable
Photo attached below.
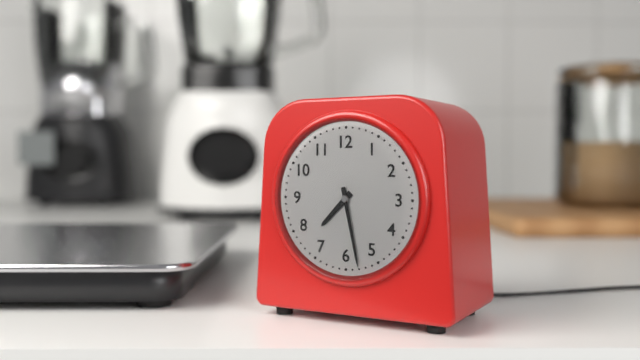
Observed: 7.28
